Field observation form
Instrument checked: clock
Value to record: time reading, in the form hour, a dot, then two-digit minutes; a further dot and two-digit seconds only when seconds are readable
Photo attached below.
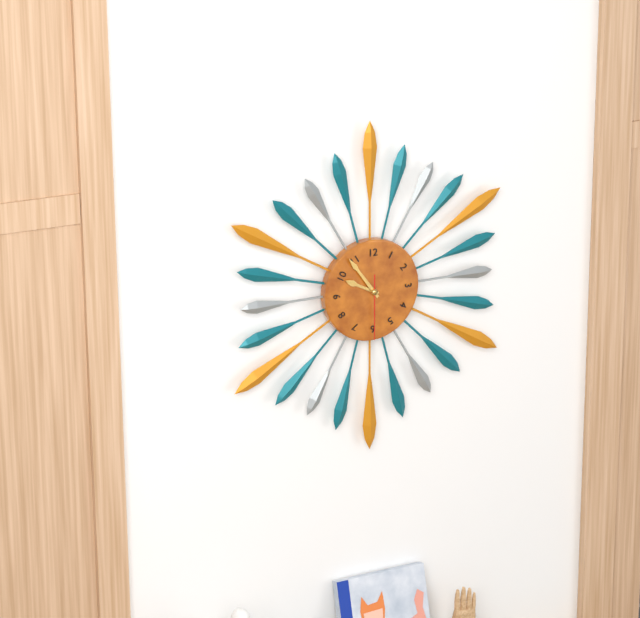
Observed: 9.54.30
